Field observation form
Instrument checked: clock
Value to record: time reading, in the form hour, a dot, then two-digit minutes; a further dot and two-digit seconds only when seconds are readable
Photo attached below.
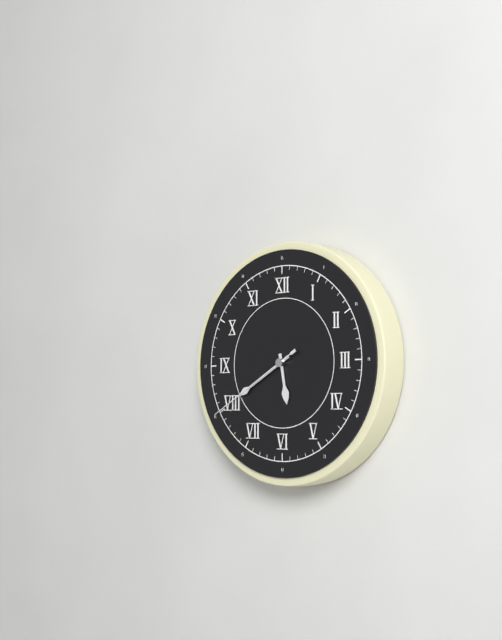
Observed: 5.40.40
